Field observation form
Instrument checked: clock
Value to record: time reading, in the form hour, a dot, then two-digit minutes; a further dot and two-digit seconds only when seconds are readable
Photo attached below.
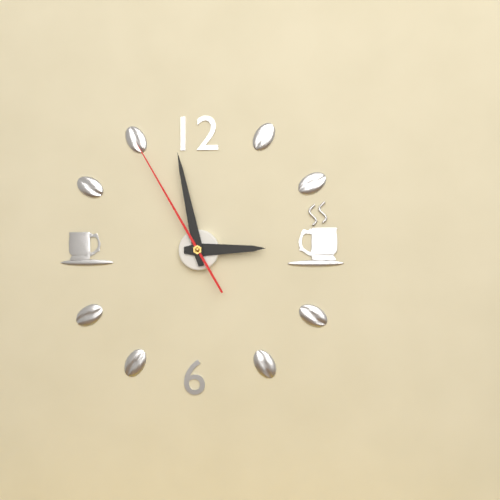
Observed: 2.58.55
